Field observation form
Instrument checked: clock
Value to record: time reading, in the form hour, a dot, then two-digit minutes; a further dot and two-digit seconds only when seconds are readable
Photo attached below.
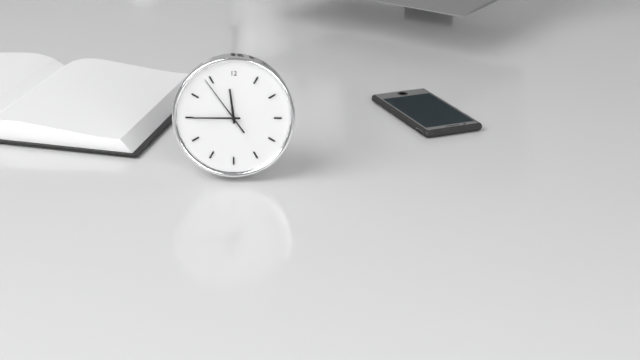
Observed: 11.45.54
